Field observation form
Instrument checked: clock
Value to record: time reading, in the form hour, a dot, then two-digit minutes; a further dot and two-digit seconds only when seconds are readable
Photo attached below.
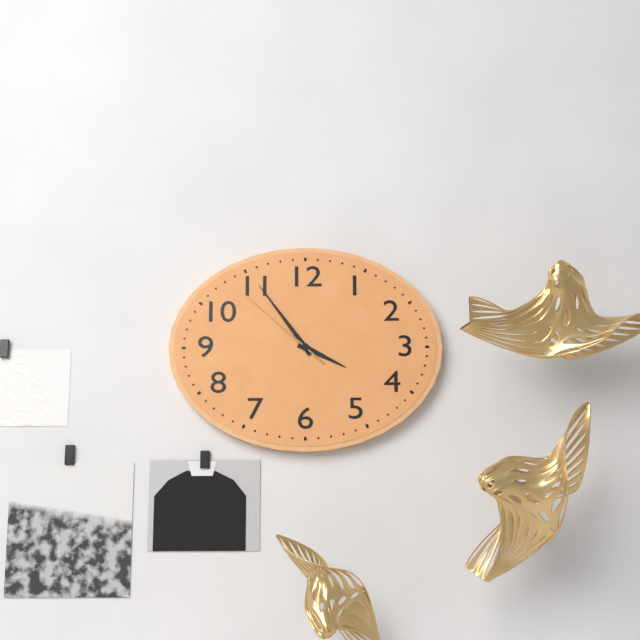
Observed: 3.54.52
